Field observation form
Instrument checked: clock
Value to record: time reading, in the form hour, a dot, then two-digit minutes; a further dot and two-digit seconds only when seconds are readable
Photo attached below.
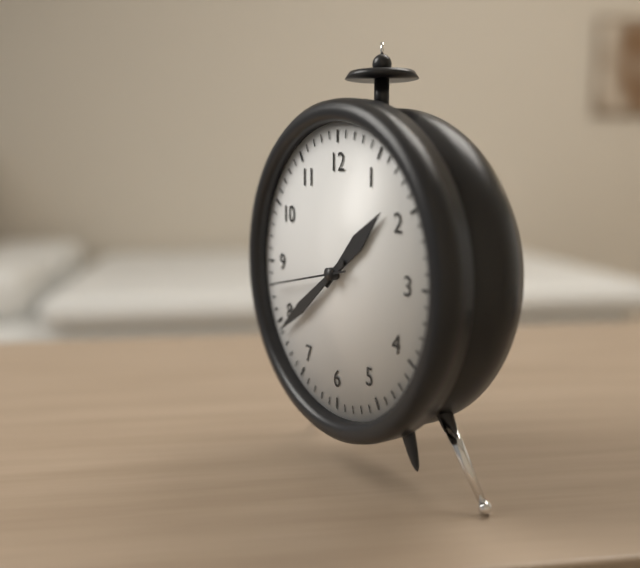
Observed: 1.39.43
